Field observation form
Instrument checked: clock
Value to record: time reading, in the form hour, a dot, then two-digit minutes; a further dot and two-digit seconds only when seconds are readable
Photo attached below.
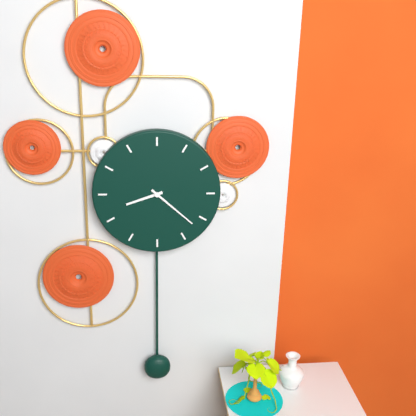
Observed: 8.22
